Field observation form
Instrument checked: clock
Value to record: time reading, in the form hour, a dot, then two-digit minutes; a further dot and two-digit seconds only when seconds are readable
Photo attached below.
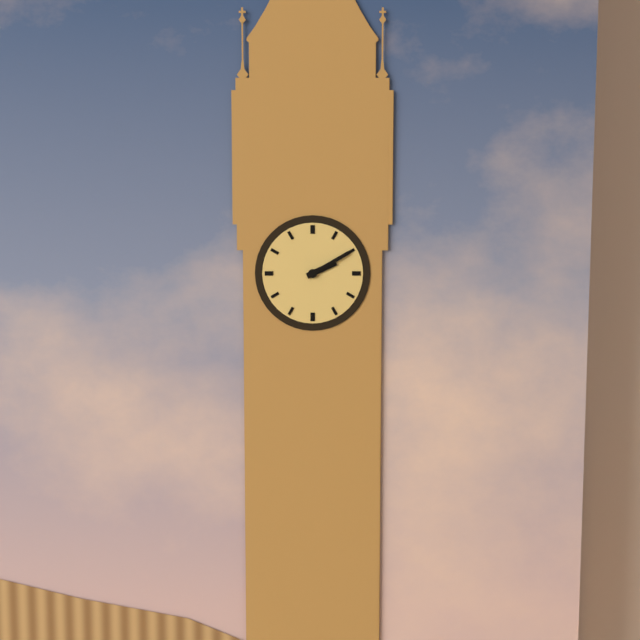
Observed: 2.10
